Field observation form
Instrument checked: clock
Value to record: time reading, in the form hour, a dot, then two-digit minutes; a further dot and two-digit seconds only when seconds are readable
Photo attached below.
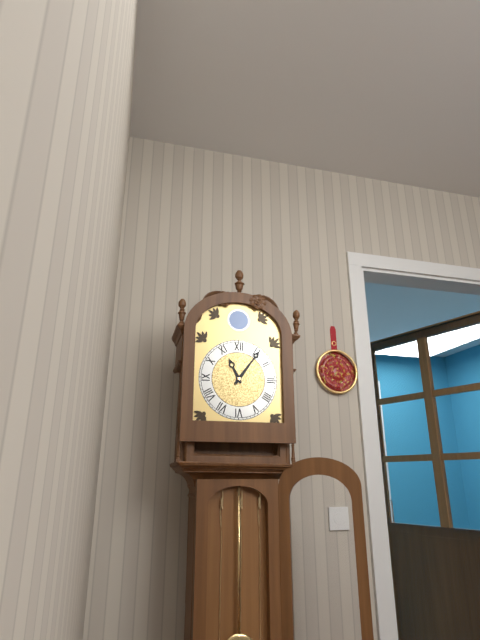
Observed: 11.06
